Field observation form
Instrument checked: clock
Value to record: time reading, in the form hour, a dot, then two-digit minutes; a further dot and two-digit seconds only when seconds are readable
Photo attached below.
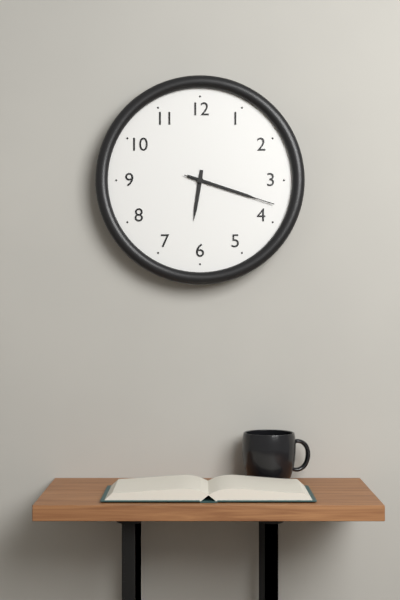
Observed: 6.18.18
